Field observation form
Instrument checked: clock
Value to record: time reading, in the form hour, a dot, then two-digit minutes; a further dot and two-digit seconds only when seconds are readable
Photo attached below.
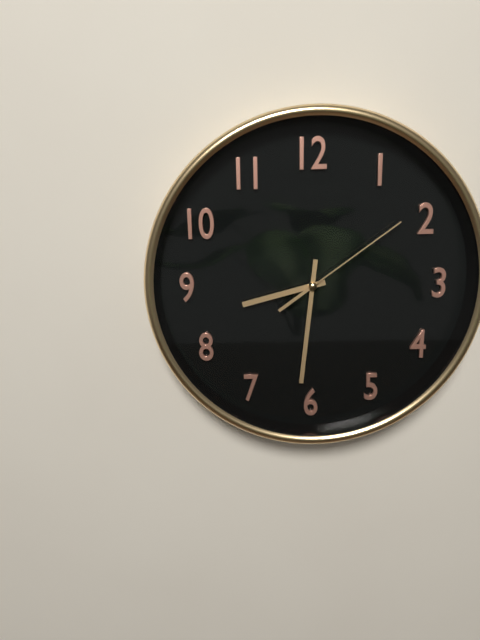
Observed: 8.31.09
